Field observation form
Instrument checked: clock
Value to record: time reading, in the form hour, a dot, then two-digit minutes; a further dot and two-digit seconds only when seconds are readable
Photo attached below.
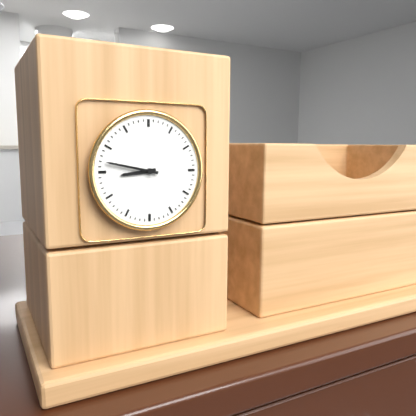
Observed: 8.47
